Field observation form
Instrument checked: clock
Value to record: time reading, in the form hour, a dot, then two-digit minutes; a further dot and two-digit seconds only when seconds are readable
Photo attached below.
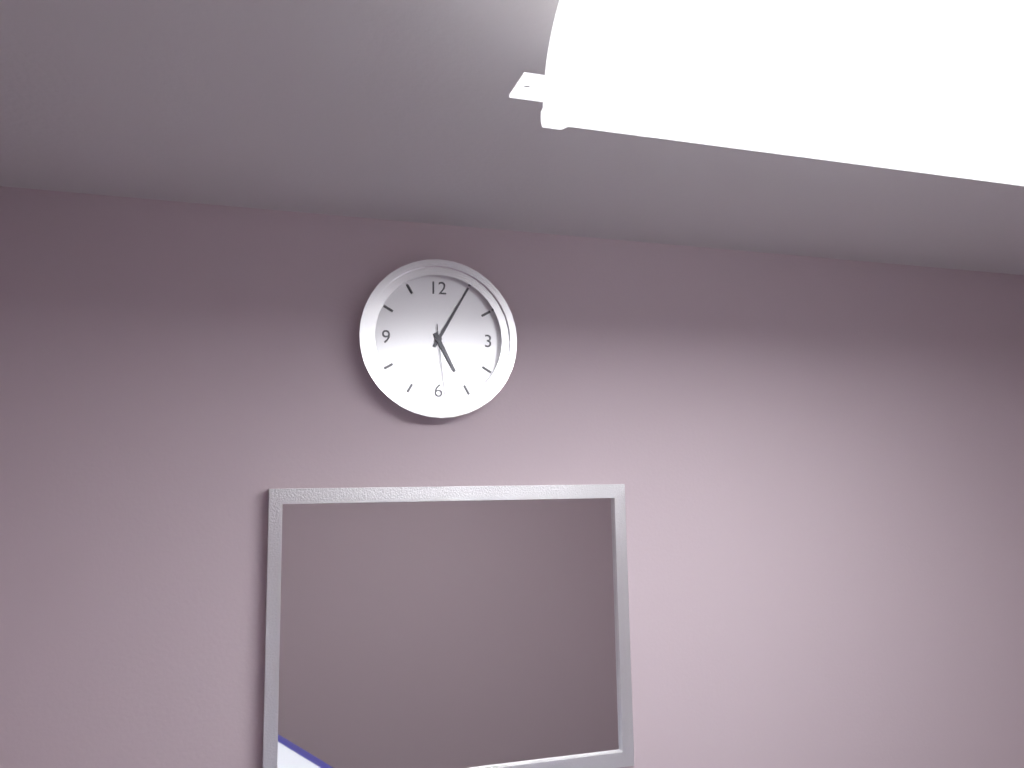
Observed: 5.05.29
